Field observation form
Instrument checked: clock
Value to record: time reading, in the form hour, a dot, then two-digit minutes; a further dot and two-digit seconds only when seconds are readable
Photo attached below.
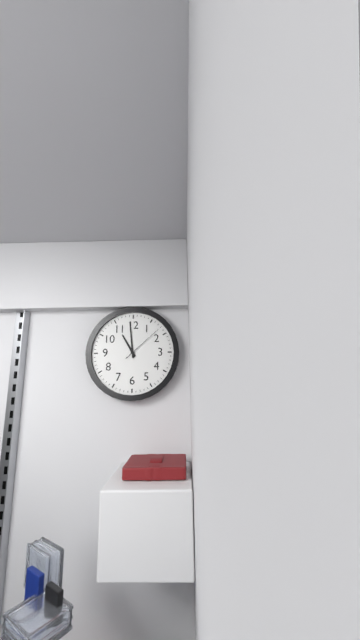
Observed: 10.59
